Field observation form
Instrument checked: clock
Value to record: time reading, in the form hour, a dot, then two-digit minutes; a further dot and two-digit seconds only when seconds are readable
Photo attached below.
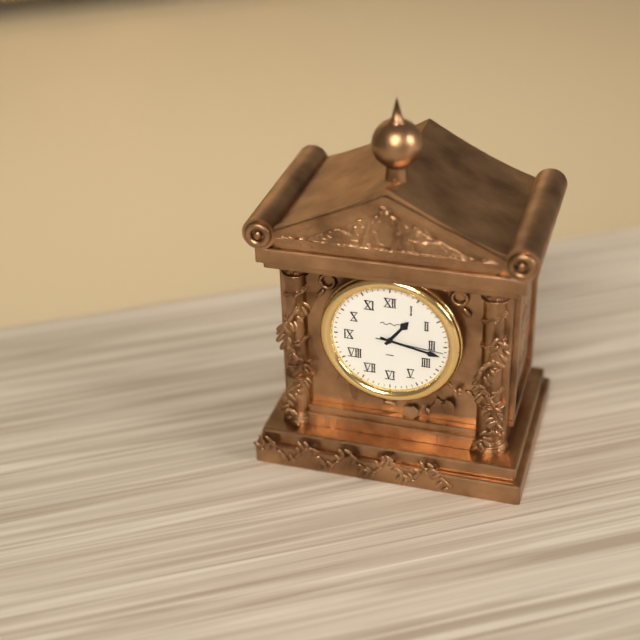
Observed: 1.17.16
